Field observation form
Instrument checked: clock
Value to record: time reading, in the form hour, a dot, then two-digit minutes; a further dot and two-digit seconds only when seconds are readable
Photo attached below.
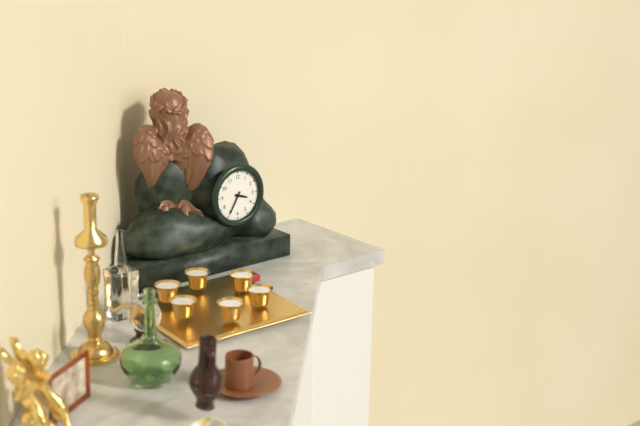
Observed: 3.35
